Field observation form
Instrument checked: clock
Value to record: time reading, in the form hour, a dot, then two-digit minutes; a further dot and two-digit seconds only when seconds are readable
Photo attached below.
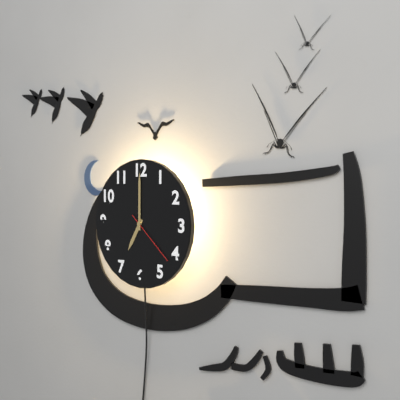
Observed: 7.00.22
